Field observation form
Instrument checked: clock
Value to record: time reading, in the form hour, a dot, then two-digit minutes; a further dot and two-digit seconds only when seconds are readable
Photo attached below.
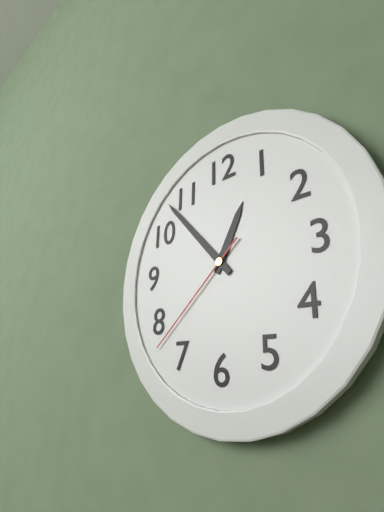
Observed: 12.53.38
